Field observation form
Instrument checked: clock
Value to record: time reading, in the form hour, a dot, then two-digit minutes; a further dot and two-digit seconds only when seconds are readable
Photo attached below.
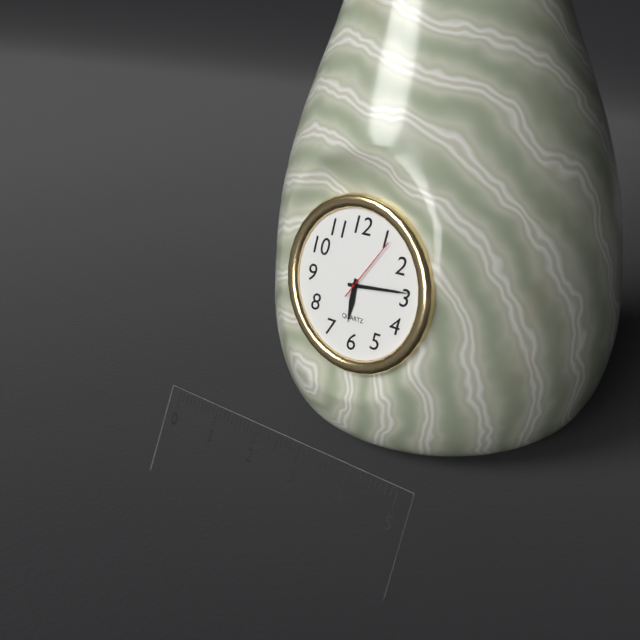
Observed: 6.14.06
